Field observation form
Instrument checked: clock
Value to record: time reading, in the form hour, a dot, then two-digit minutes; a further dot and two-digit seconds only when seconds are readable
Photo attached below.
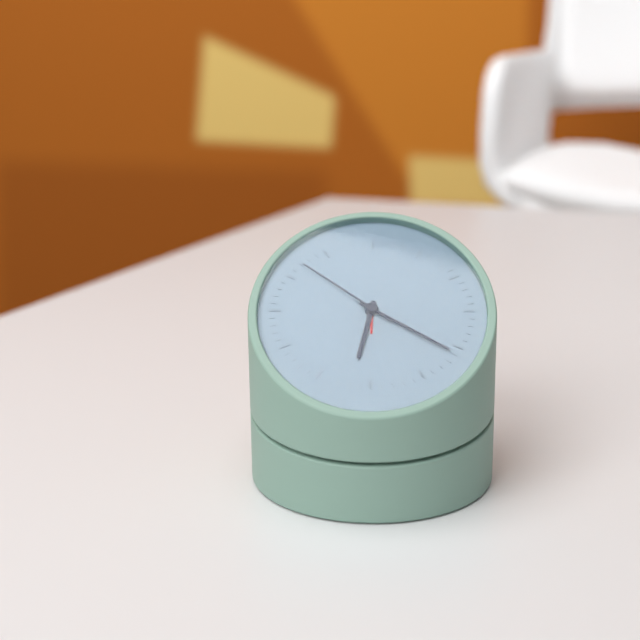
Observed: 6.21.52
